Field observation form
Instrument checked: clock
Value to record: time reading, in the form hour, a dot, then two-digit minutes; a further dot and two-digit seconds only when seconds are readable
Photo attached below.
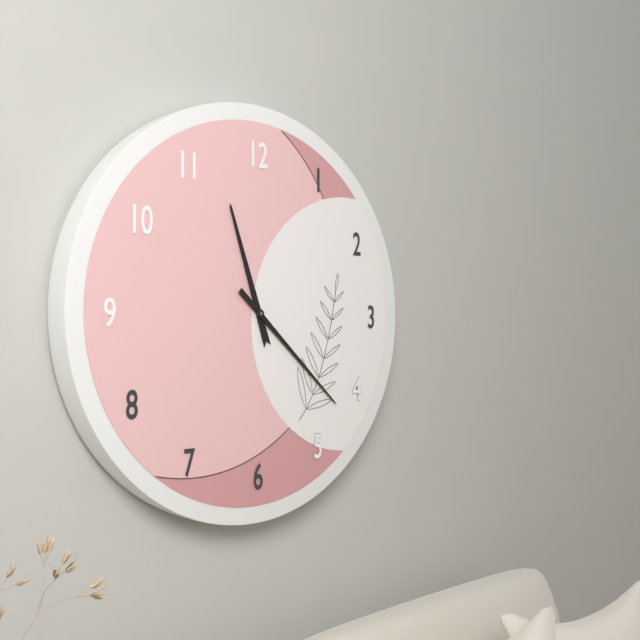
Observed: 11.22
